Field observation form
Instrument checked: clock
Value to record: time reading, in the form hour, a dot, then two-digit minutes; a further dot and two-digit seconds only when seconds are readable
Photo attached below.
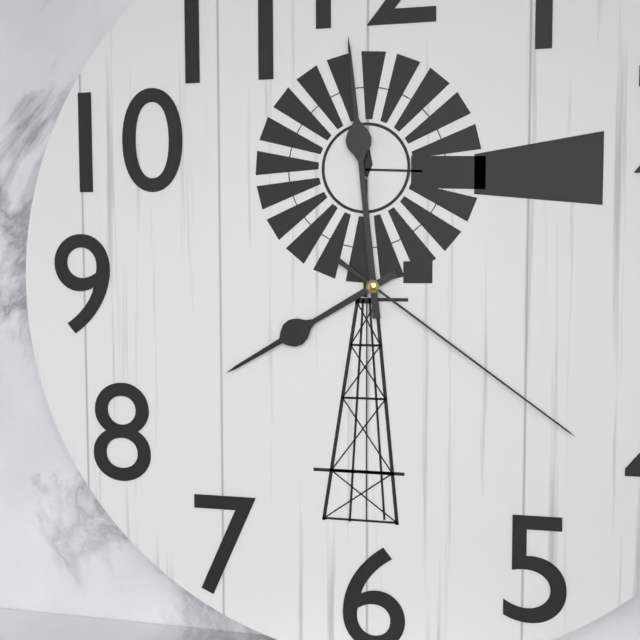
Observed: 7.59.21
